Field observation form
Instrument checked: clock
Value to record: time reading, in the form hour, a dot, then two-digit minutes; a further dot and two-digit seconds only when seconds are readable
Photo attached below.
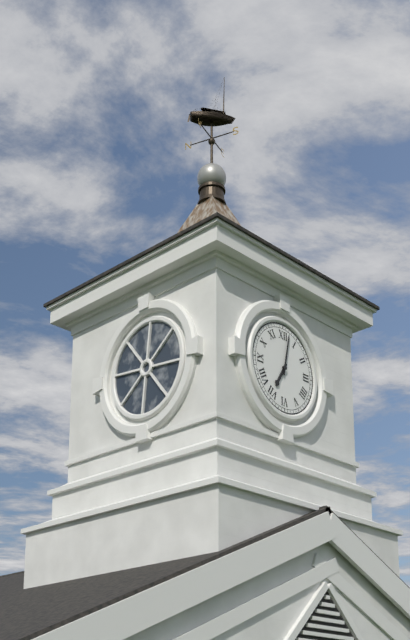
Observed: 7.02
